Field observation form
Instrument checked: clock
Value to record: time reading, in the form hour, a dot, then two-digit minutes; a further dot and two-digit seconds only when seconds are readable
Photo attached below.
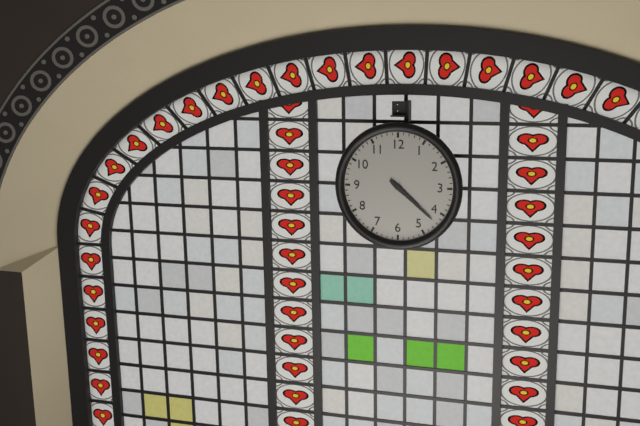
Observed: 4.22
